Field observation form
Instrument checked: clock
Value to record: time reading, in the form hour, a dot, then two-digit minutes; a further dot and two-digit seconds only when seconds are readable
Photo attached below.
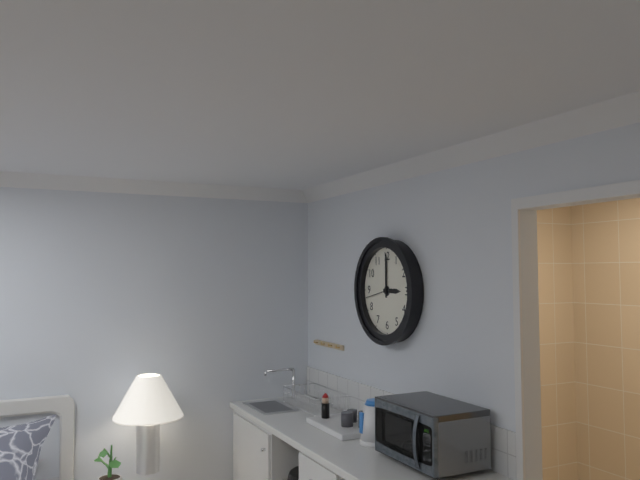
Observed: 3.00
